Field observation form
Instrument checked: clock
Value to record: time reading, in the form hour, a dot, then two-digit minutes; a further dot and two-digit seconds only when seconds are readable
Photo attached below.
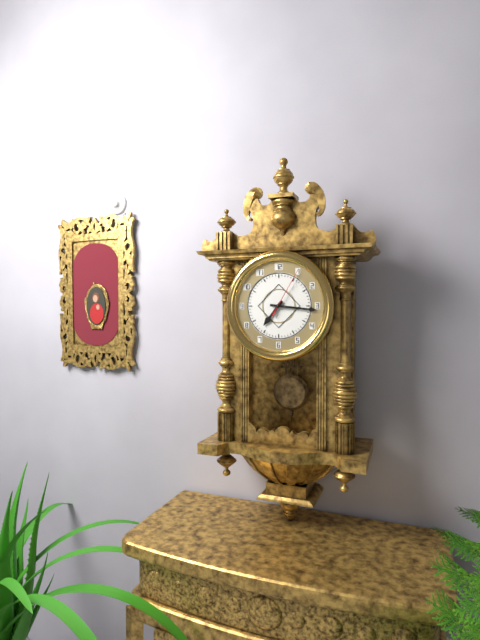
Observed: 7.16.05
